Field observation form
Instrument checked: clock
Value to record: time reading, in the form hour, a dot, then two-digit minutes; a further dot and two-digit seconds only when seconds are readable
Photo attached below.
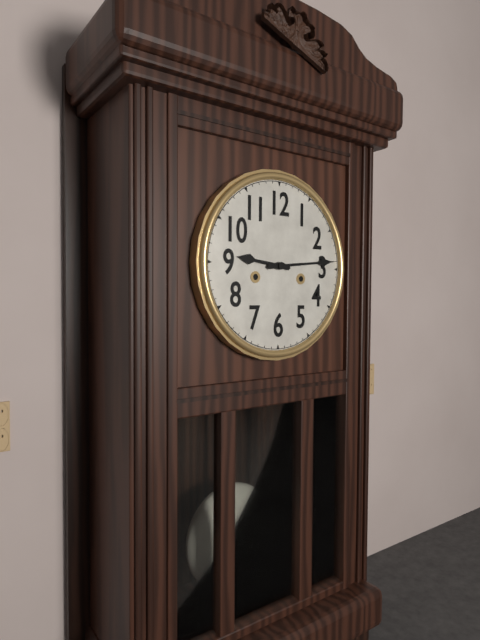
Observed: 9.14
